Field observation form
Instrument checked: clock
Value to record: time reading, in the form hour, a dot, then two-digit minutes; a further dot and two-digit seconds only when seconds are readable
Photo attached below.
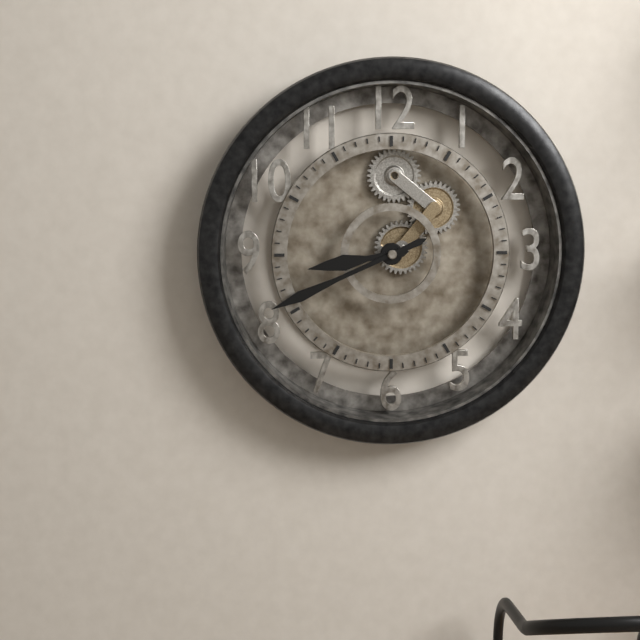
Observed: 8.41
